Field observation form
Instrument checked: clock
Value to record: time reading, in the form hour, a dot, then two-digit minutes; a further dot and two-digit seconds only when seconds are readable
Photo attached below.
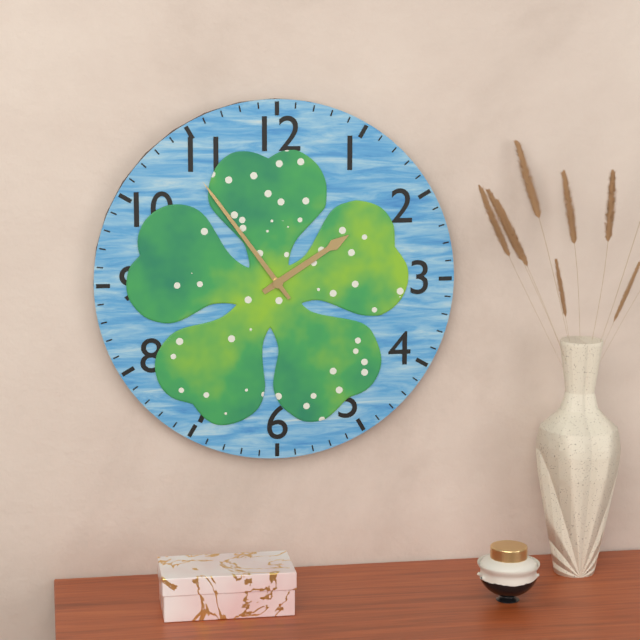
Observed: 1.54
